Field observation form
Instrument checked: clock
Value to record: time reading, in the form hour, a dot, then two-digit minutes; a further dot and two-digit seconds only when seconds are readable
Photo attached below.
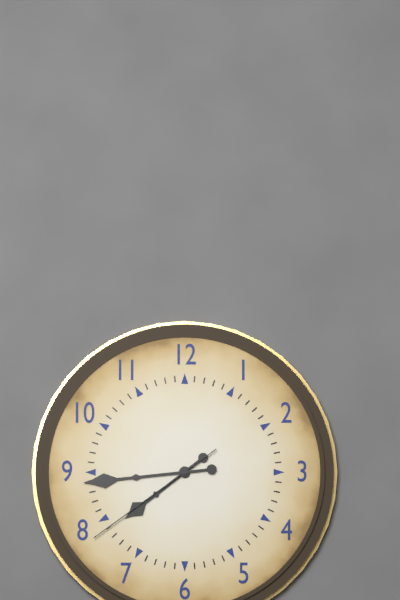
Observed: 7.44.39
